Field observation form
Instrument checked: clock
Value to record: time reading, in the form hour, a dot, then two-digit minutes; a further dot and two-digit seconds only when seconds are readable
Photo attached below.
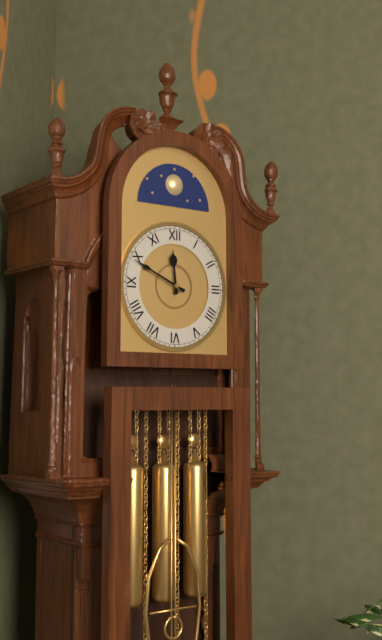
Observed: 11.49
